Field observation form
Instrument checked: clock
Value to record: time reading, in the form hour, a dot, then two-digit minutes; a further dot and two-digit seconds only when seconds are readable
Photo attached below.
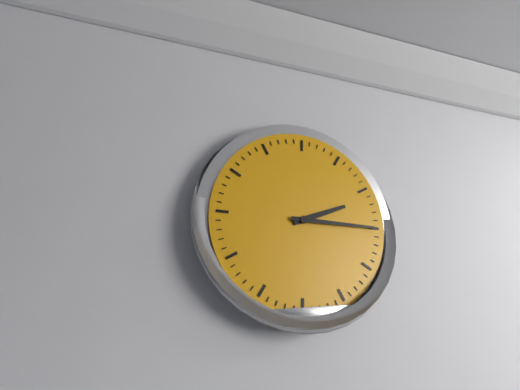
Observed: 2.15
